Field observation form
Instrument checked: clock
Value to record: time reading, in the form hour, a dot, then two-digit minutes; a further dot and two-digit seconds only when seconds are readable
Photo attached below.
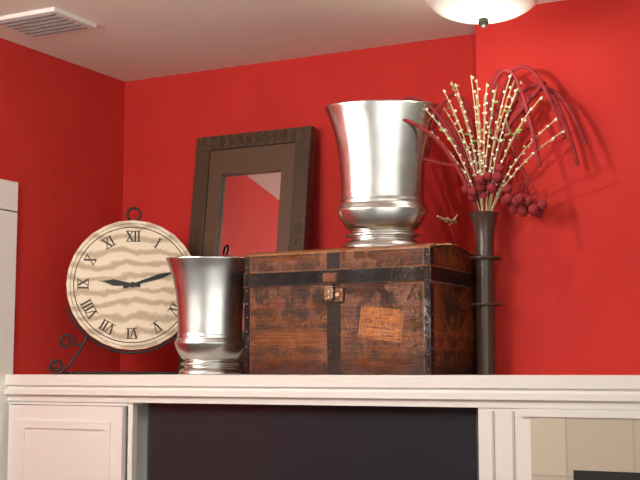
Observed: 9.12
